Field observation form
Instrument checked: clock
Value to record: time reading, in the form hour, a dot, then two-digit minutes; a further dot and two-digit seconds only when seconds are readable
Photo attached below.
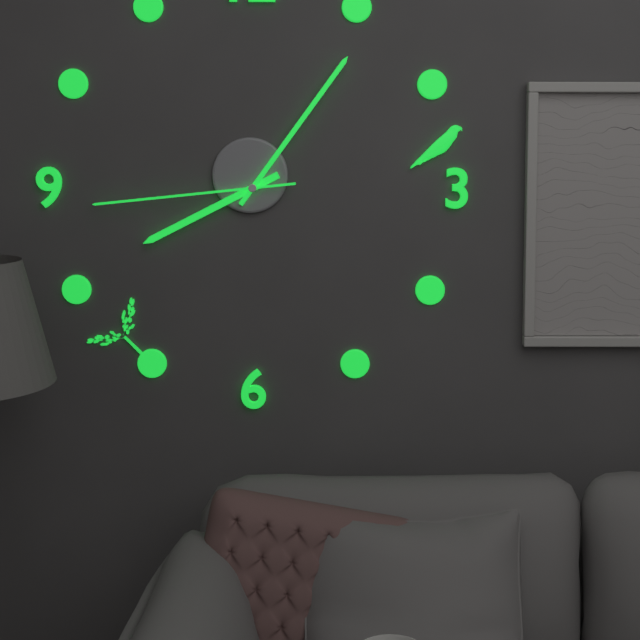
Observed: 8.06.44
